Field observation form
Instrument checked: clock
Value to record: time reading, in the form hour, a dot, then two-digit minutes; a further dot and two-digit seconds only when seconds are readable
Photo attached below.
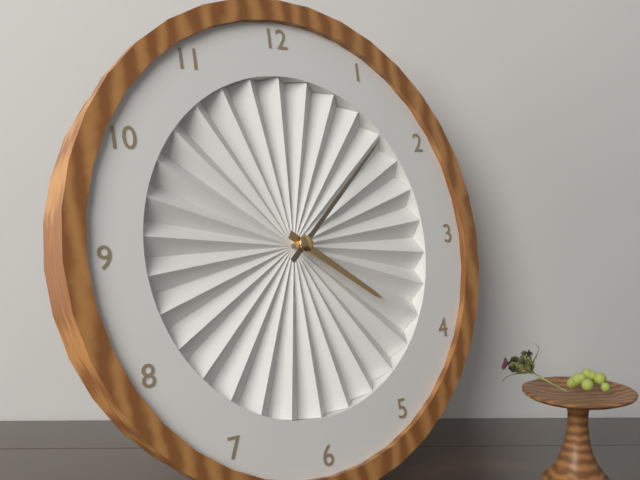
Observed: 4.08
